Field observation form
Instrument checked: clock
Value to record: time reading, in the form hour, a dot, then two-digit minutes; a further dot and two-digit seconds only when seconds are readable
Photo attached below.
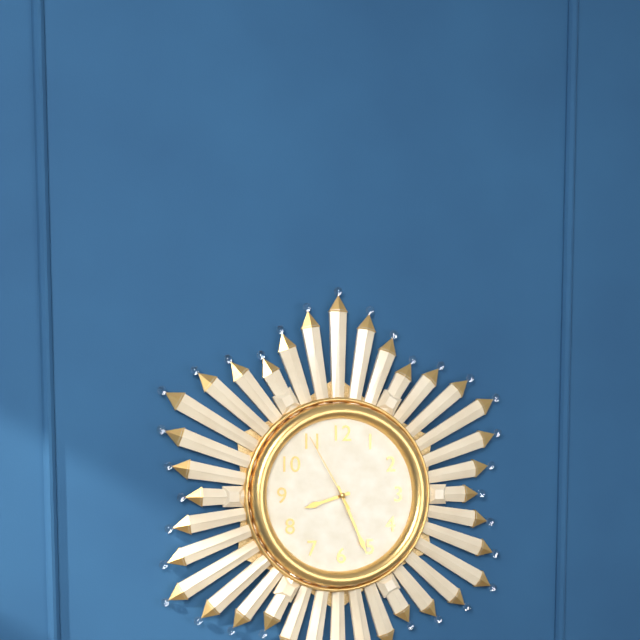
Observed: 8.26.55
